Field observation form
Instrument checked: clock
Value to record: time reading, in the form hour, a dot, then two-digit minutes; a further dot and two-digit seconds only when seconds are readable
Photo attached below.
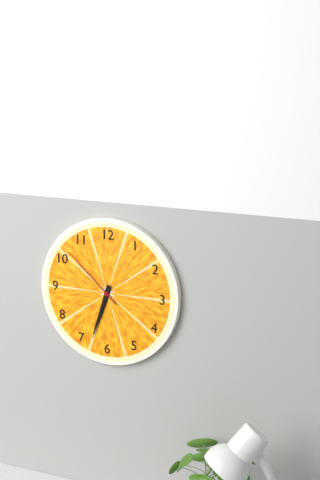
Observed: 6.33.52
